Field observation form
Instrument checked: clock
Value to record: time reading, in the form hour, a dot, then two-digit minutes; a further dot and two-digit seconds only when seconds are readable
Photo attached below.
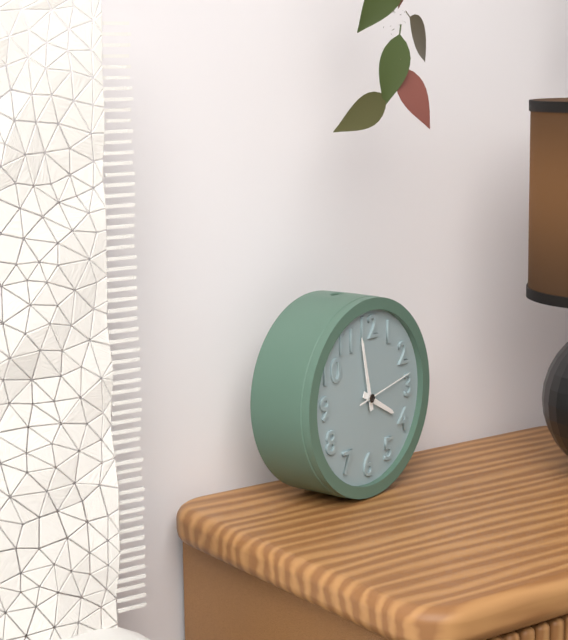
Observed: 3.58.13
